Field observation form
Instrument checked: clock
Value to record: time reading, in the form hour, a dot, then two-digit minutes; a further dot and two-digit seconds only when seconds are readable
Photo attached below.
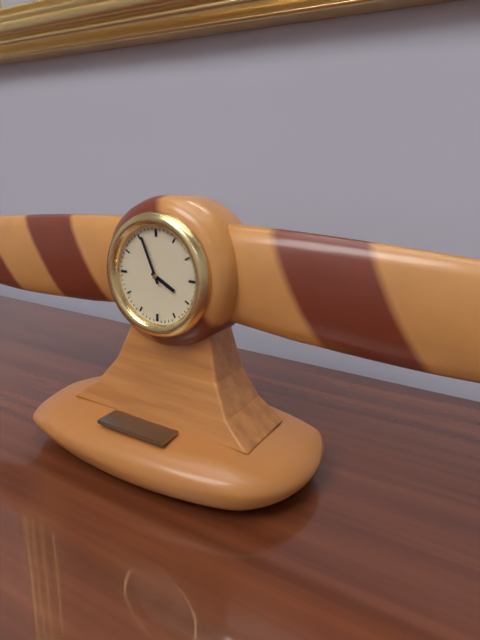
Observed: 3.56
